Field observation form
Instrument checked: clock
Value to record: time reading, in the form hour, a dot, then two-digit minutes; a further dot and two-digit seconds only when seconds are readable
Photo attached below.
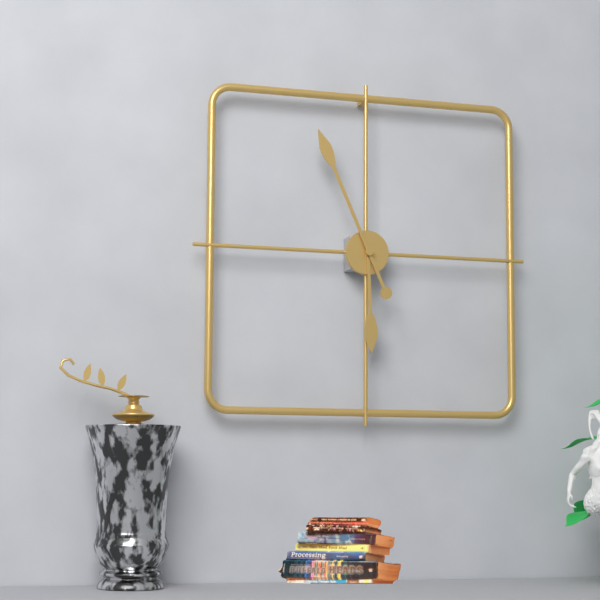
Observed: 5.56
